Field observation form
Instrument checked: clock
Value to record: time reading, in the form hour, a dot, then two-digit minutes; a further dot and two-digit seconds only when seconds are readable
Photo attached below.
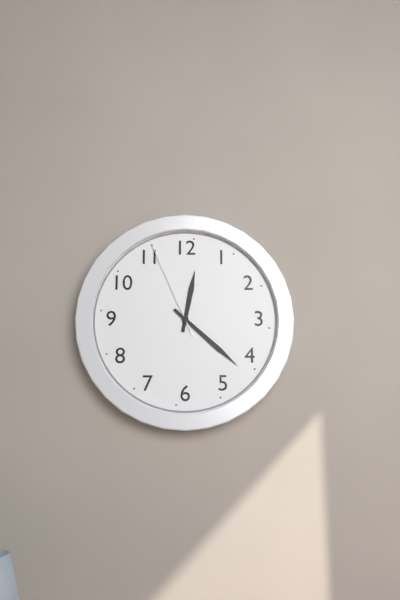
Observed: 12.22.56
